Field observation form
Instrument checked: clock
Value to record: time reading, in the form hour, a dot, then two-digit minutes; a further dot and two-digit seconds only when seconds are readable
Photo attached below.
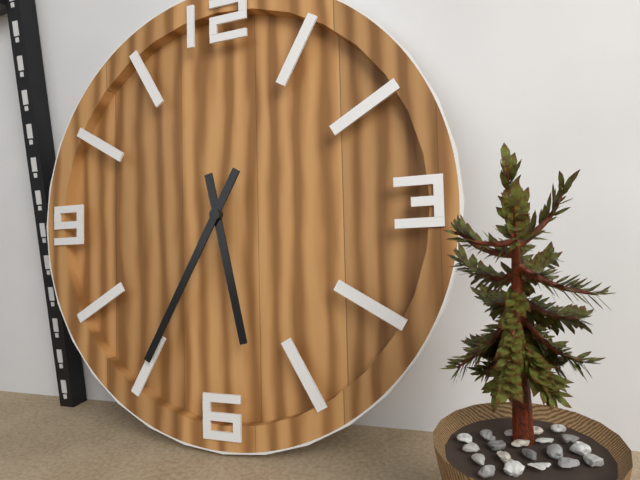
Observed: 5.35
